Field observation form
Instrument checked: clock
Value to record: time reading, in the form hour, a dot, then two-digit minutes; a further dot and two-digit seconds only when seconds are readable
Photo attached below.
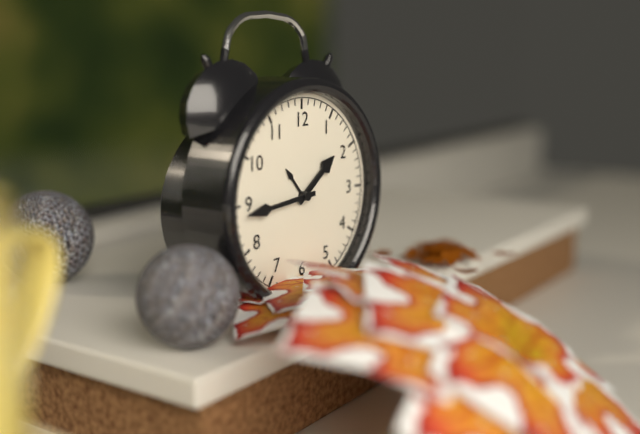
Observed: 1.44
